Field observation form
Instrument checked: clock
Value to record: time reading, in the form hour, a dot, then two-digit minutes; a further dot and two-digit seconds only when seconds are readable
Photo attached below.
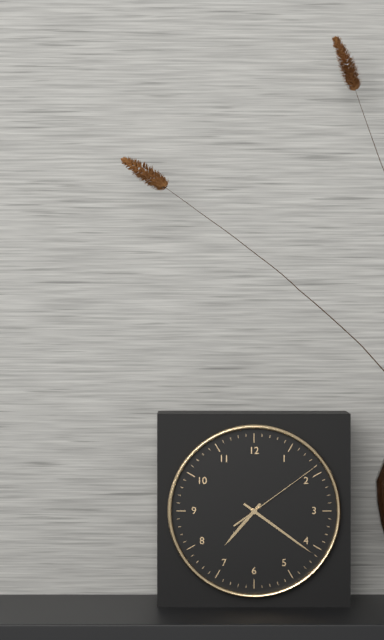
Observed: 7.21.09
